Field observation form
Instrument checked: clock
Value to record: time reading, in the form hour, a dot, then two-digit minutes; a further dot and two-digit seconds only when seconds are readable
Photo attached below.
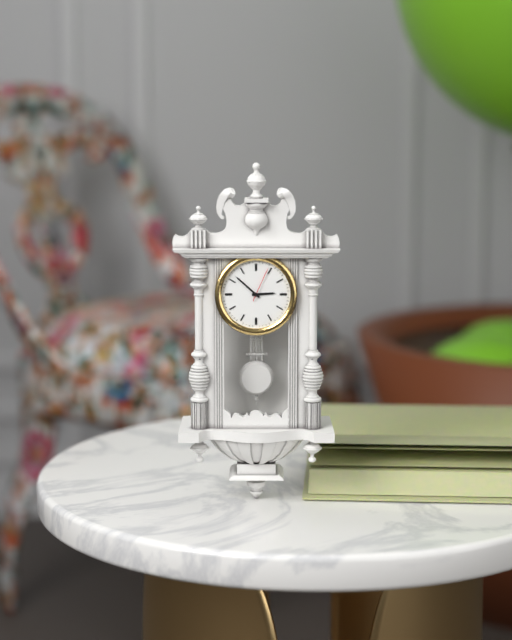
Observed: 2.52
